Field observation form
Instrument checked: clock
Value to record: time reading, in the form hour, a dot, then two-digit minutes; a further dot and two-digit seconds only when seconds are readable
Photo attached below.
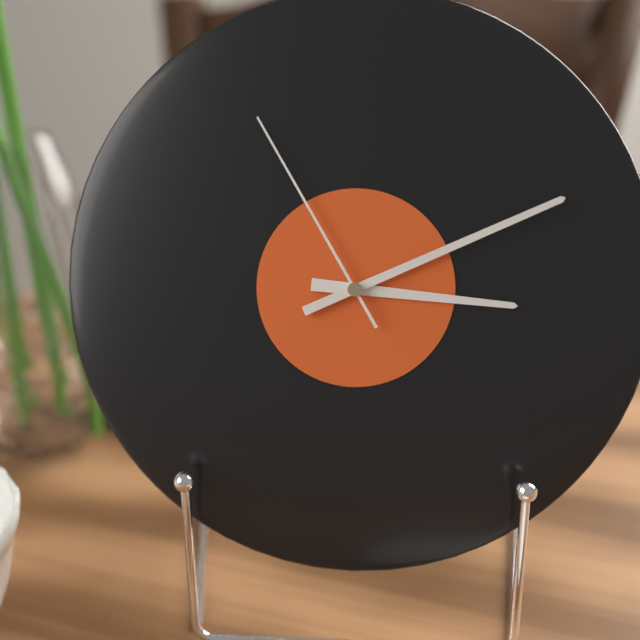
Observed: 3.11.55
